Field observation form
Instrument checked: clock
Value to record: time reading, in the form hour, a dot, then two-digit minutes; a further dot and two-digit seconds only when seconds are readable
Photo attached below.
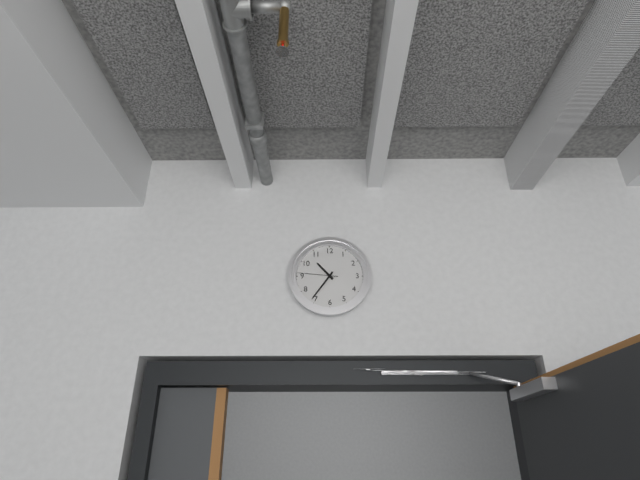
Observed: 10.36
